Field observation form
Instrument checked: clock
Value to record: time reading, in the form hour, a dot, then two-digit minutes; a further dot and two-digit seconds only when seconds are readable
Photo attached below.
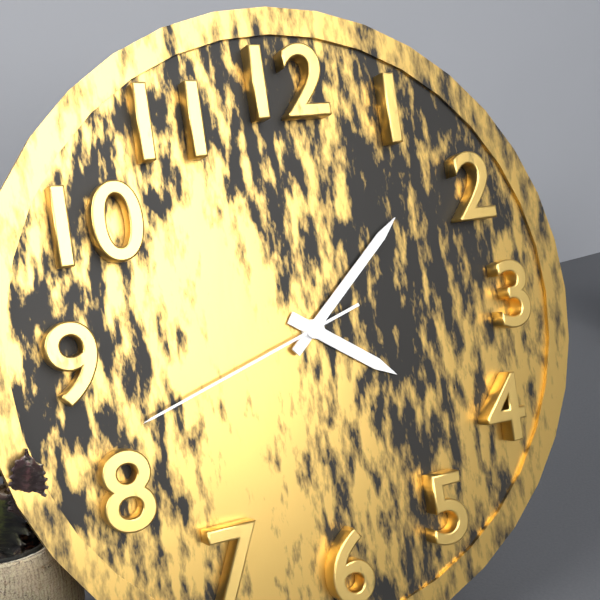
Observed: 4.08.42
